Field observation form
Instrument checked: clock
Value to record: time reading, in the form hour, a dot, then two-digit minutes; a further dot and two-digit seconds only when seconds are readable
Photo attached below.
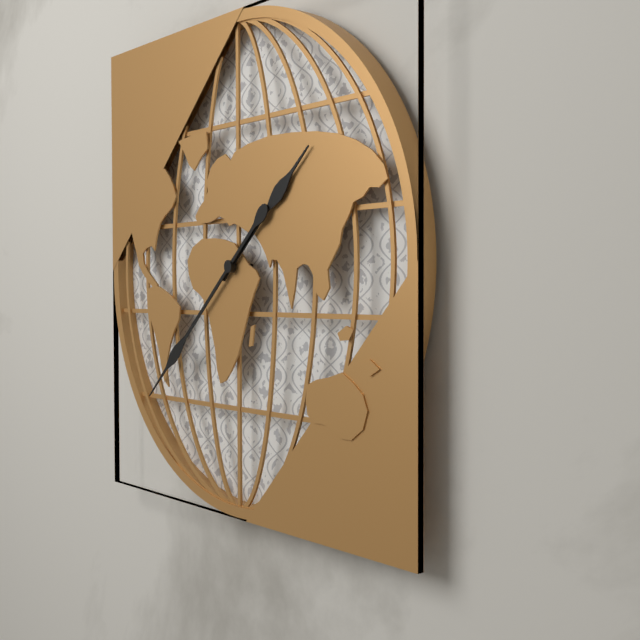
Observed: 1.38
